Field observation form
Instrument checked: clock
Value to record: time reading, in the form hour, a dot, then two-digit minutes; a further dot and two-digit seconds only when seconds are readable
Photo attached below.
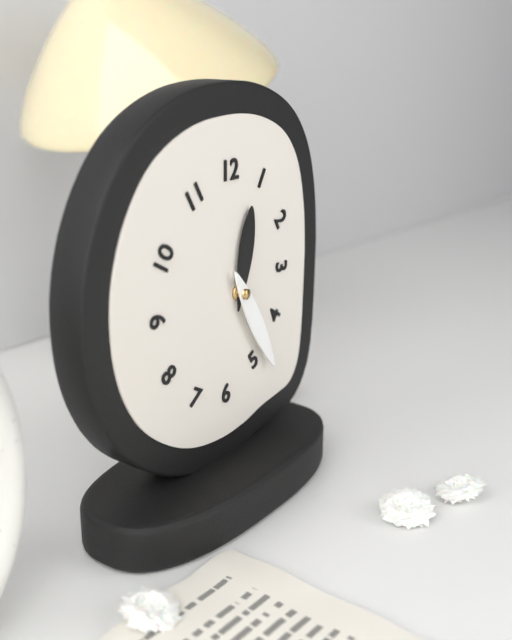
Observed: 12.25
